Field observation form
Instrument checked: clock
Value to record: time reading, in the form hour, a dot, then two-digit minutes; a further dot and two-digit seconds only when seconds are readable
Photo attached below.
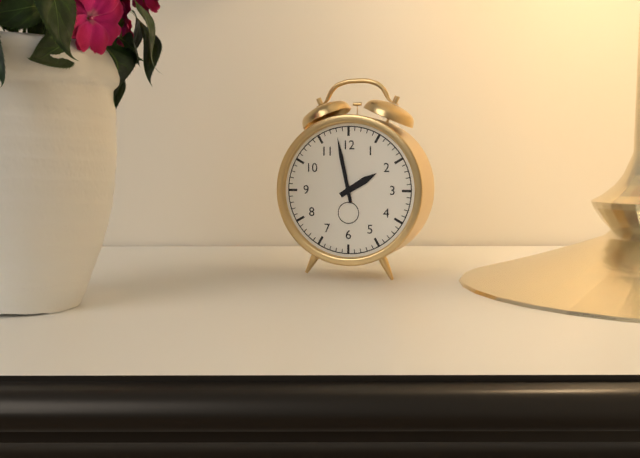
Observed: 1.58
